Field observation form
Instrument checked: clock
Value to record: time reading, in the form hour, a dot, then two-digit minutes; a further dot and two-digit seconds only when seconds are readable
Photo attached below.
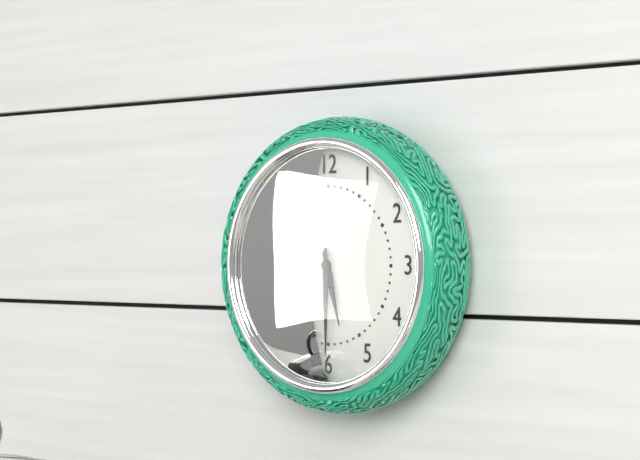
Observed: 5.30
